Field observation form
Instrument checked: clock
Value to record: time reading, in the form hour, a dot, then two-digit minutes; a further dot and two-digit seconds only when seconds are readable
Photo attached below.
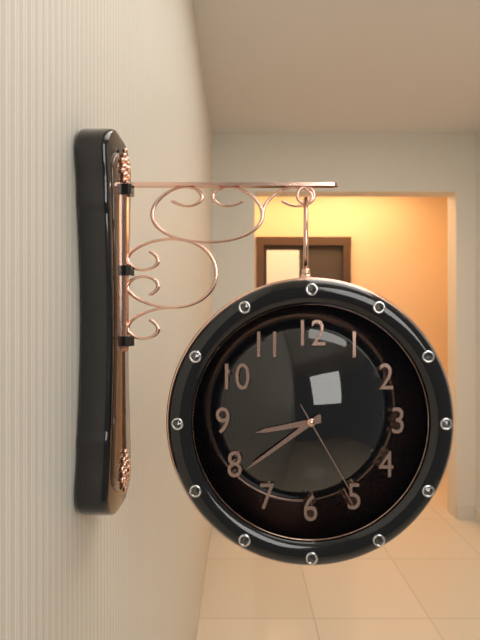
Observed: 8.39.25
